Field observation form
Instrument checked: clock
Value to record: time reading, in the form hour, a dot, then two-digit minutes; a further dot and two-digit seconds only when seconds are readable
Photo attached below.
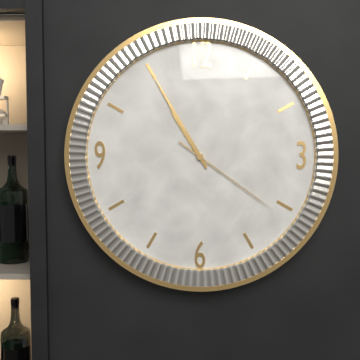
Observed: 10.55.21
